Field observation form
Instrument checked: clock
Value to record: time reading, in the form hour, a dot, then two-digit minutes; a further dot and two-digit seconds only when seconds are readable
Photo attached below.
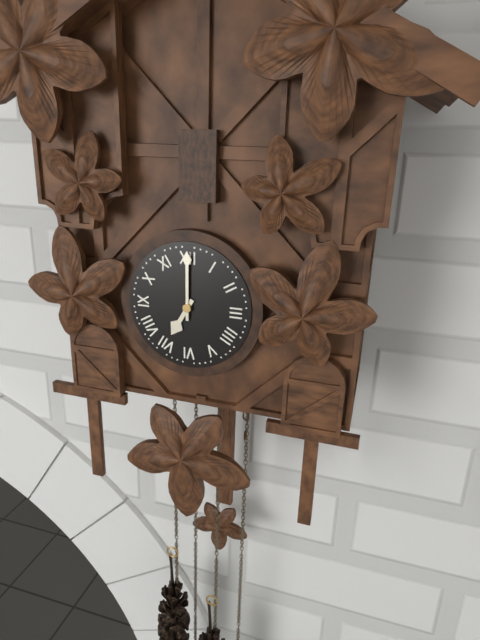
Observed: 7.00
